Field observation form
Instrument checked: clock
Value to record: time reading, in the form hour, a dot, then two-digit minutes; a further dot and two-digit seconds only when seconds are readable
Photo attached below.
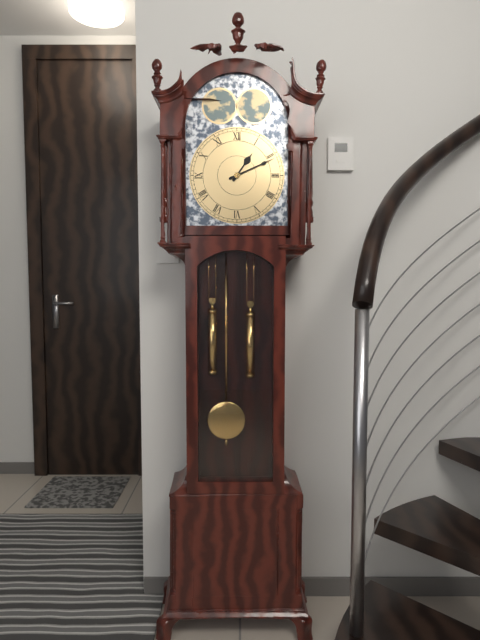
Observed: 1.11
